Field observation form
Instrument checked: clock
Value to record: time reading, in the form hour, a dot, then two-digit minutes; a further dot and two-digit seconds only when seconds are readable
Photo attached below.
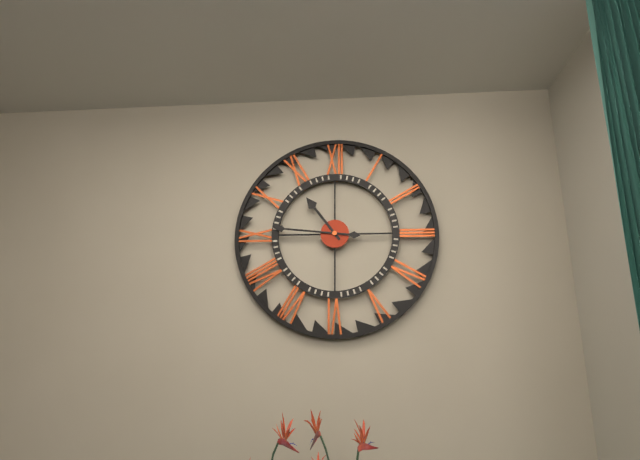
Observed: 10.46
